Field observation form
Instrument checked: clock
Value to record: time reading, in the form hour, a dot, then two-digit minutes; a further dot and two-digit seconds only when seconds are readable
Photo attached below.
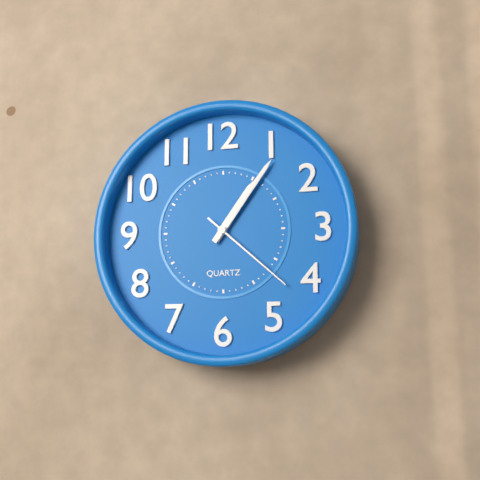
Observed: 1.06.22
